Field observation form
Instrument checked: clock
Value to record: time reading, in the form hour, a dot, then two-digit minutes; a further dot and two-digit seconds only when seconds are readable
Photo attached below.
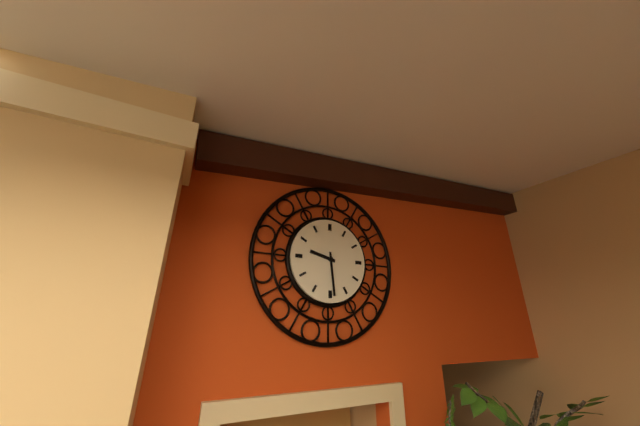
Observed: 9.29
